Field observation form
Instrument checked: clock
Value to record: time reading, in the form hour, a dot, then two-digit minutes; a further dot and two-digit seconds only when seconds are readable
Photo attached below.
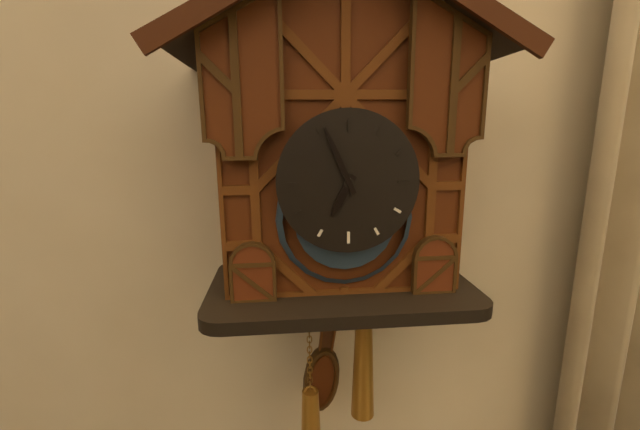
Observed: 6.56
